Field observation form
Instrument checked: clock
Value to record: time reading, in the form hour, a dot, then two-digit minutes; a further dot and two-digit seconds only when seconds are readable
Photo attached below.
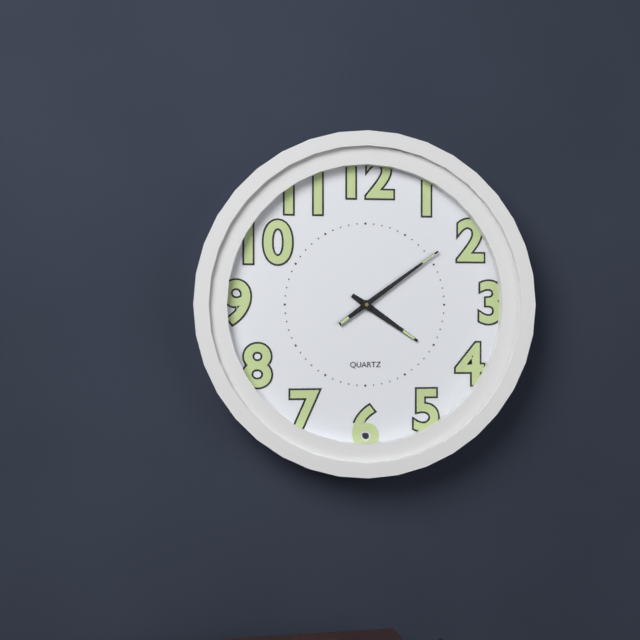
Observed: 4.09
